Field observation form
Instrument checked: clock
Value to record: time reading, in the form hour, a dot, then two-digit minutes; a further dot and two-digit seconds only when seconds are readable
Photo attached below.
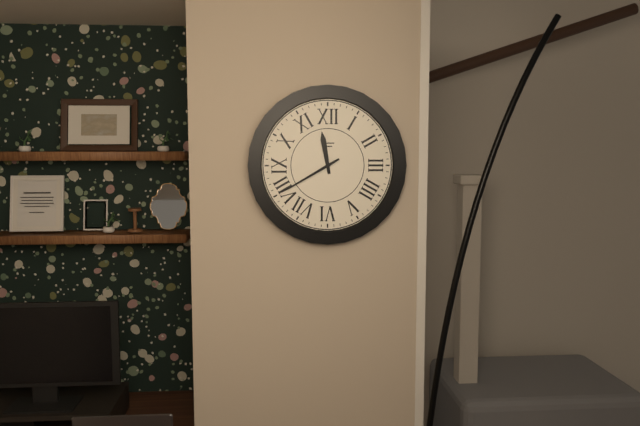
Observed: 11.40
